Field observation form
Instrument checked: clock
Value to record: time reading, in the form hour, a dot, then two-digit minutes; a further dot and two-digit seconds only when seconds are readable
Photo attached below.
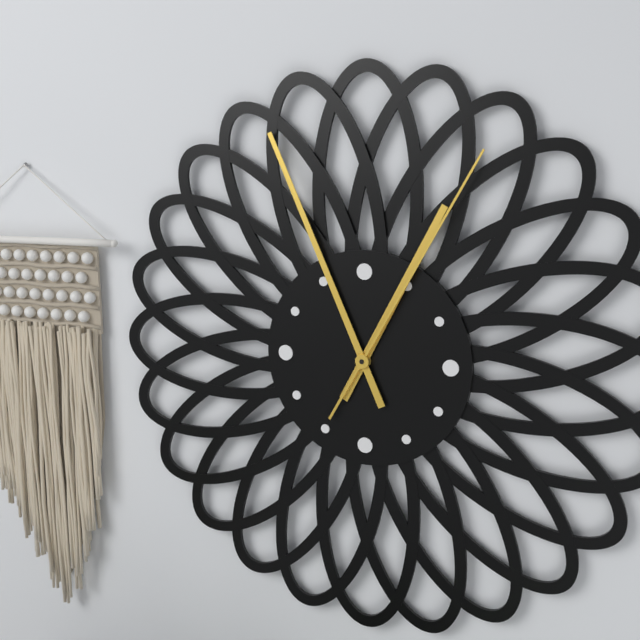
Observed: 12.56.05
